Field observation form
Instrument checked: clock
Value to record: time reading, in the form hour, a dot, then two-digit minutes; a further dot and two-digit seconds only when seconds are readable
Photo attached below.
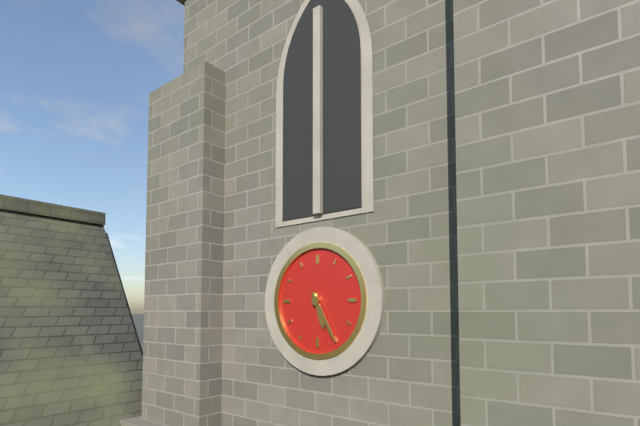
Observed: 5.25
